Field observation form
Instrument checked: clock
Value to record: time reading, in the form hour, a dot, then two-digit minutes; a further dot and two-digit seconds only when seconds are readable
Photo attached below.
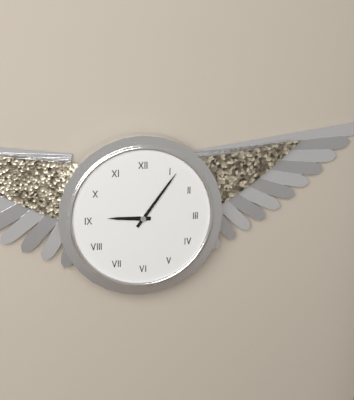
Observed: 9.06
